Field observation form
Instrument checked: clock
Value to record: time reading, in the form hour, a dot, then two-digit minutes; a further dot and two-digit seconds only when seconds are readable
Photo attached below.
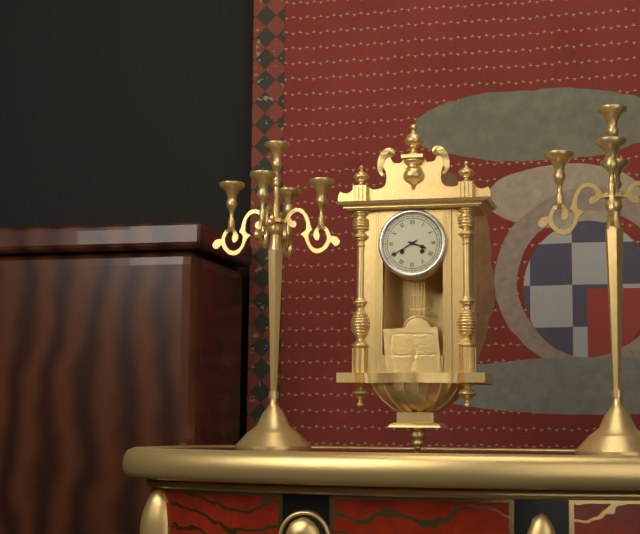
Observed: 3.40
